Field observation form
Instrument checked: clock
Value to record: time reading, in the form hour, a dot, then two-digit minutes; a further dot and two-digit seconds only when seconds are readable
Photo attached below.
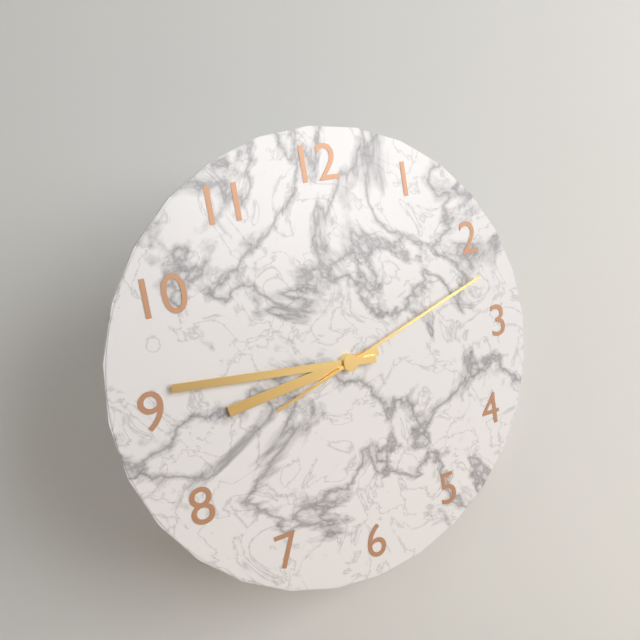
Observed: 8.46.12
